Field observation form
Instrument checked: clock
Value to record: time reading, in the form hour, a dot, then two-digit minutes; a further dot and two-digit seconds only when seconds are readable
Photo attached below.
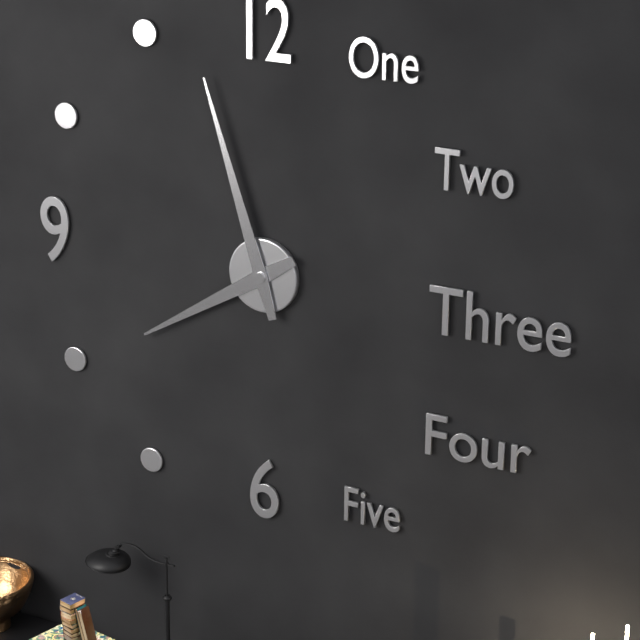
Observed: 7.57
